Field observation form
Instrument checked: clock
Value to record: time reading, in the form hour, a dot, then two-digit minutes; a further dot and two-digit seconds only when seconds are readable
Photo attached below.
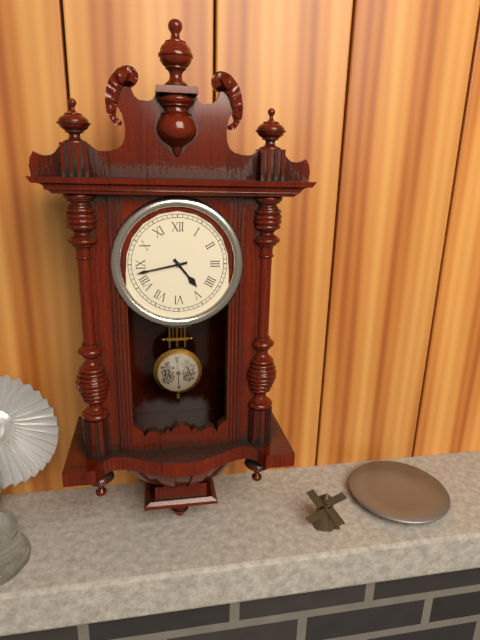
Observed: 4.43
